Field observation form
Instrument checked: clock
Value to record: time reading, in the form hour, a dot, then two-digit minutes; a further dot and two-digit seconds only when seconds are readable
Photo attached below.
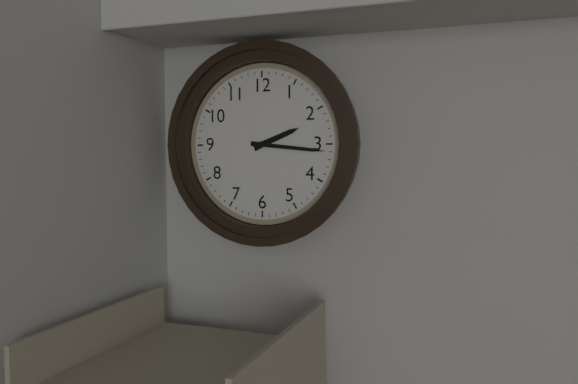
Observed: 2.16
